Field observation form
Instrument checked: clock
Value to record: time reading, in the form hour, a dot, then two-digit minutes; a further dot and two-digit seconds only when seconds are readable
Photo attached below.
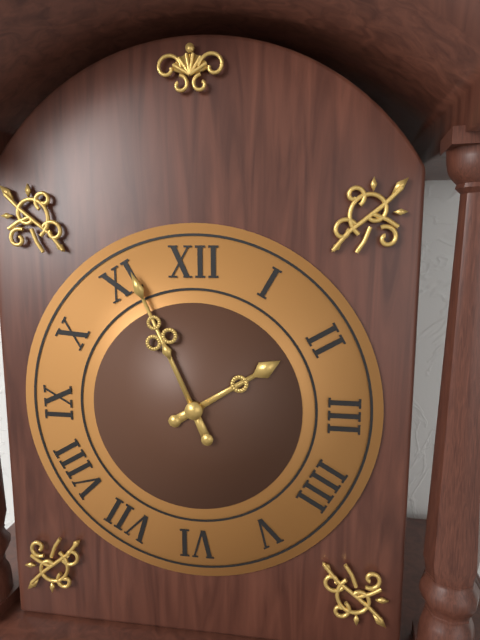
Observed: 1.56
